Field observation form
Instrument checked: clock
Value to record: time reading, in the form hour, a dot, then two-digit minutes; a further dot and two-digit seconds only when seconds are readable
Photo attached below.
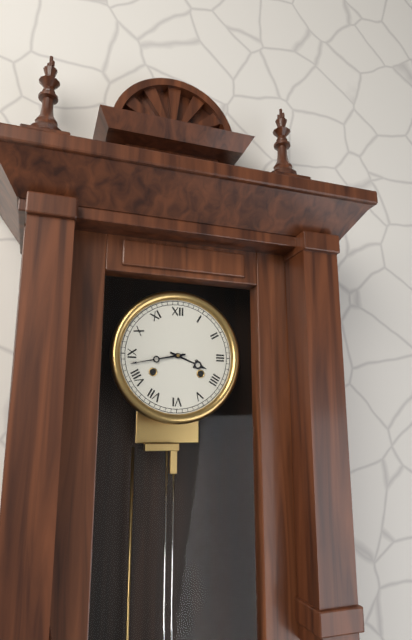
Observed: 3.43
